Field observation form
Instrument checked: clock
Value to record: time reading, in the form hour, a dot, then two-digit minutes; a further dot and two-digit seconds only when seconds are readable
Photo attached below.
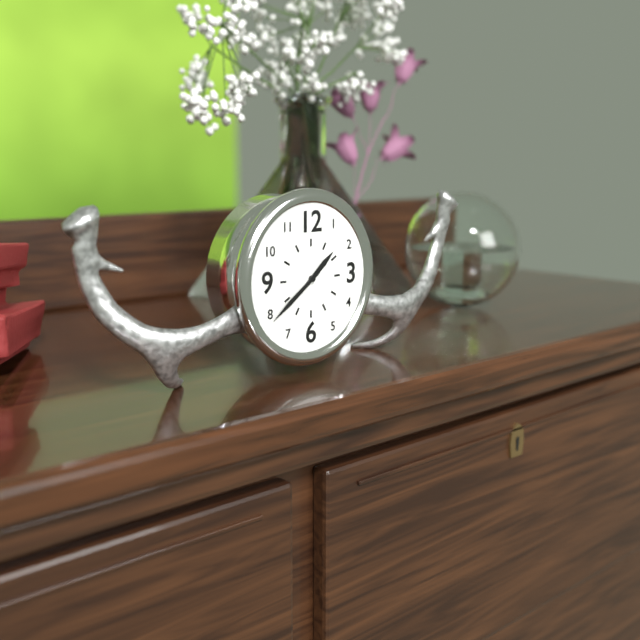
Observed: 1.39
